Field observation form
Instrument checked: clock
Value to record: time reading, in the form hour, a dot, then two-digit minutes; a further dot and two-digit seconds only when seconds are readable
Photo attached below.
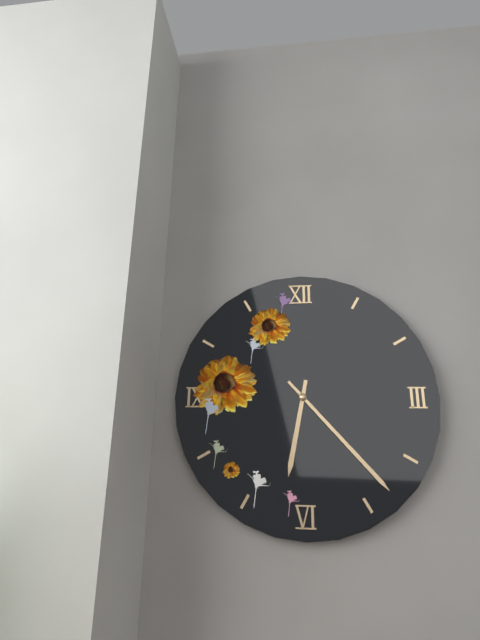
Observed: 6.23
